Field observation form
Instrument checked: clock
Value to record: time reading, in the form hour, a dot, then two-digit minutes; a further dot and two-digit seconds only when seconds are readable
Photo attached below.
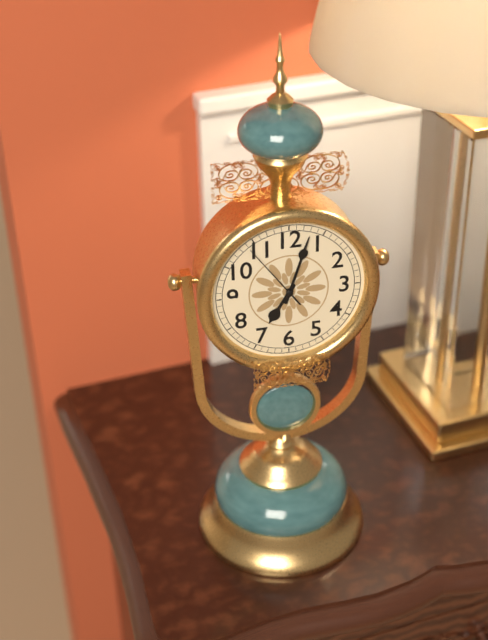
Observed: 7.03.54
